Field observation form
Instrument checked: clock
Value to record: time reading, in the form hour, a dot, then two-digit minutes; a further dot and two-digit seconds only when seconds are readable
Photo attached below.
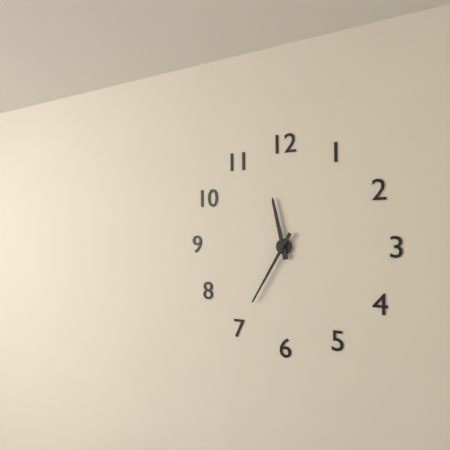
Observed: 11.35
